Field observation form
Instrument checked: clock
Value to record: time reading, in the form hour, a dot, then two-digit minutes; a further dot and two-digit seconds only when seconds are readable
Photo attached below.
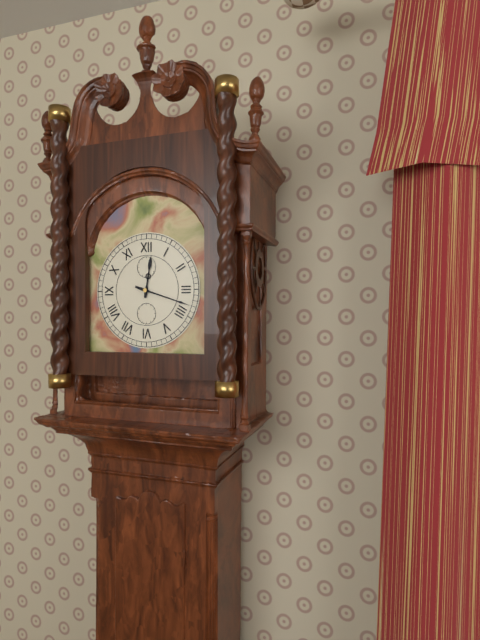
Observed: 12.18
